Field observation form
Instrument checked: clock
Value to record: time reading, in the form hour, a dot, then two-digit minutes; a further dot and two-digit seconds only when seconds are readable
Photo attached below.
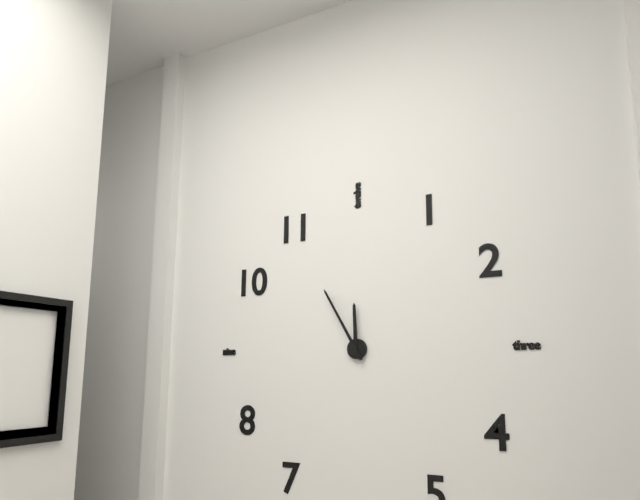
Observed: 11.55
